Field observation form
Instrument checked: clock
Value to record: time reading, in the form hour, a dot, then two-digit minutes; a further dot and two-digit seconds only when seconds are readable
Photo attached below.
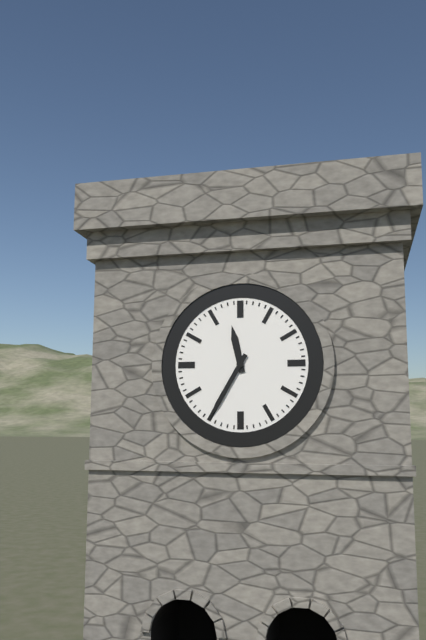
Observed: 11.35
